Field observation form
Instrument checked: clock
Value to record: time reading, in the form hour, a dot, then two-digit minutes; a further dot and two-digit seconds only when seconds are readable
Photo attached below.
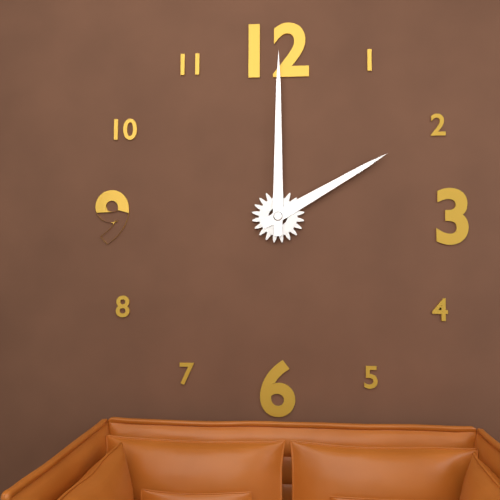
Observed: 2.00
